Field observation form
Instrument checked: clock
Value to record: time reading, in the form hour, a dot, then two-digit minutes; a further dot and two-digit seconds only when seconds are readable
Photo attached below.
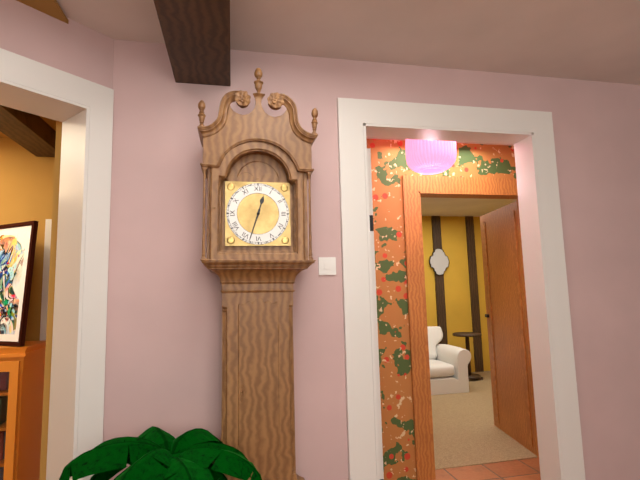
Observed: 12.33
